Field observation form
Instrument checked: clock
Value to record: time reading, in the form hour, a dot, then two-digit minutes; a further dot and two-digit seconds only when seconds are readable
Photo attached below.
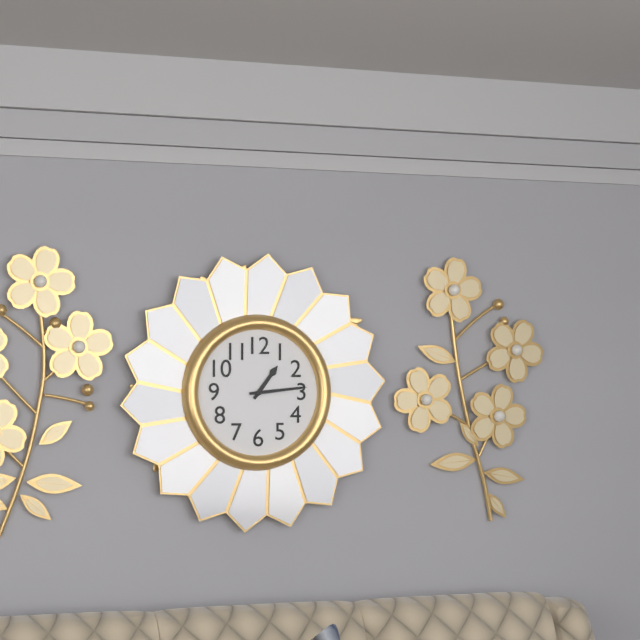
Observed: 1.14
